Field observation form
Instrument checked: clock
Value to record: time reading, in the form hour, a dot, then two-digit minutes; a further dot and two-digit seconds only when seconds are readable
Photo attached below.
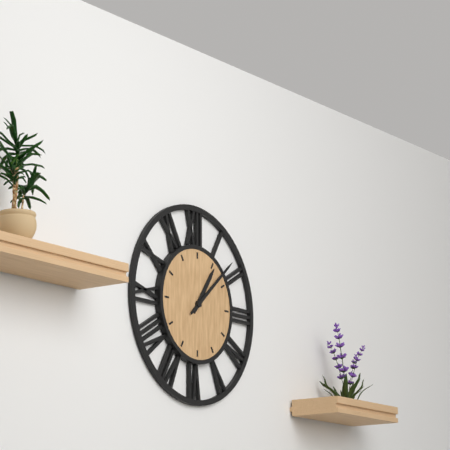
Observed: 1.08
